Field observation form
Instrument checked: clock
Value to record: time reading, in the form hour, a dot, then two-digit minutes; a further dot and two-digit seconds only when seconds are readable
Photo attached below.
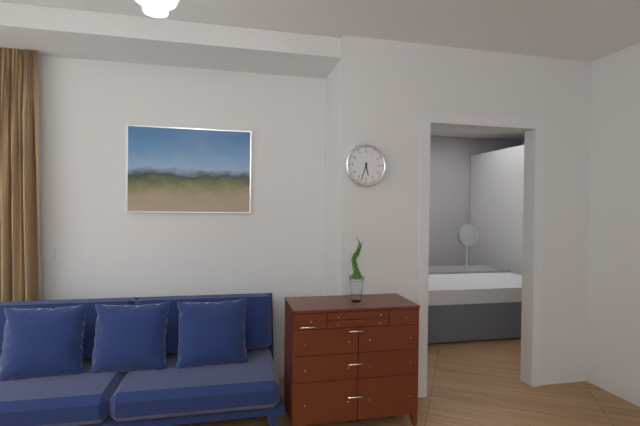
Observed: 5.33
